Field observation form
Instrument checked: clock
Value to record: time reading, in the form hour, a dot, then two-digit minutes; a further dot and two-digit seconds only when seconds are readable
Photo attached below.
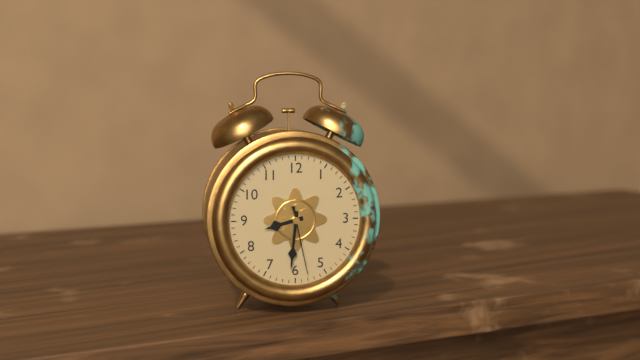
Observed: 8.31.28
